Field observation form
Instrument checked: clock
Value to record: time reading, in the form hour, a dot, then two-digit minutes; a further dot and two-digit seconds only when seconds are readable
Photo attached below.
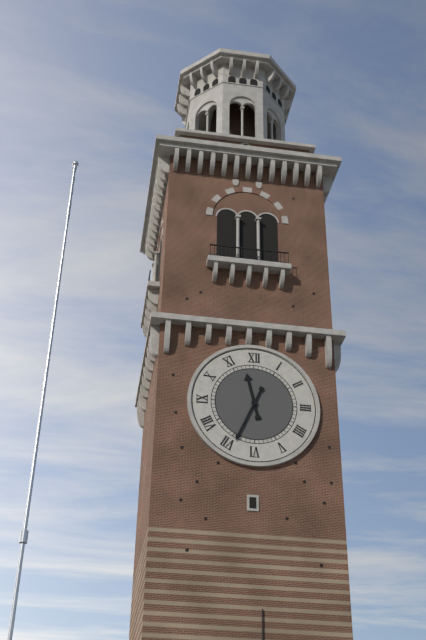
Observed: 11.34
